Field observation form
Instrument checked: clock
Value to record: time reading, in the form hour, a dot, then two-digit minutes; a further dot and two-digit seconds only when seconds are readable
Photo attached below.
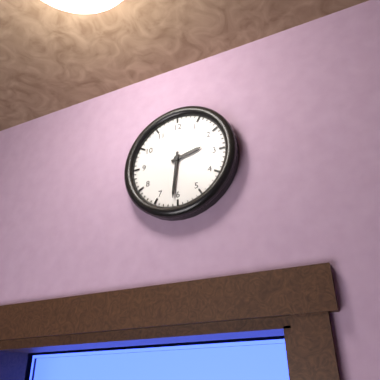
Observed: 2.31
